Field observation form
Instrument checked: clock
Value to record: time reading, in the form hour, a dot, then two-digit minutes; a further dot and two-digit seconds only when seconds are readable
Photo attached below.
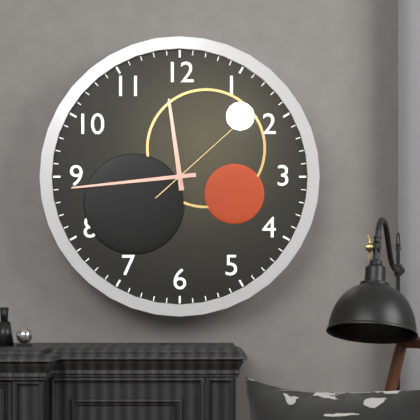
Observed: 11.44.08
